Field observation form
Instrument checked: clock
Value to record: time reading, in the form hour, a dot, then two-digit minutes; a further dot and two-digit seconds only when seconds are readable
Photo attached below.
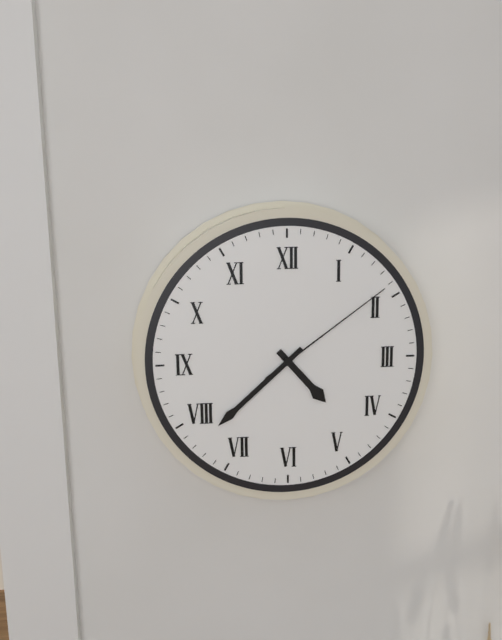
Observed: 4.38.09
